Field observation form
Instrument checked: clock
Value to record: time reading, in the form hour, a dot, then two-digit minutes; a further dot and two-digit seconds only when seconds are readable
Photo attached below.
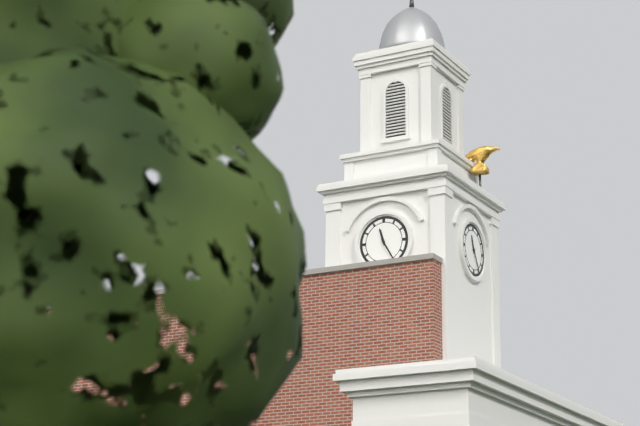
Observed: 11.25
